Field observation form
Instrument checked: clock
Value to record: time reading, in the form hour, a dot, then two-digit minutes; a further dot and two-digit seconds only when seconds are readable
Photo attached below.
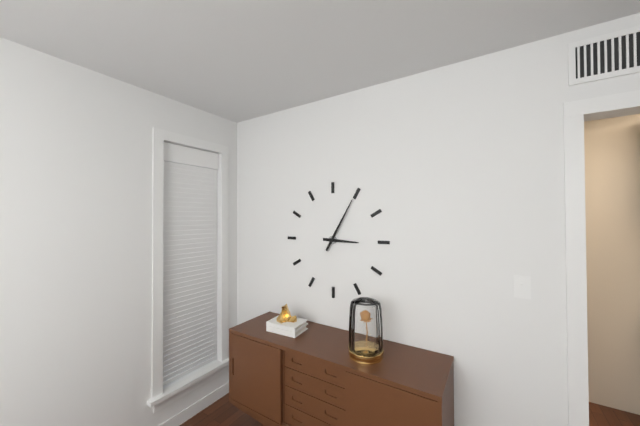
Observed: 3.05
